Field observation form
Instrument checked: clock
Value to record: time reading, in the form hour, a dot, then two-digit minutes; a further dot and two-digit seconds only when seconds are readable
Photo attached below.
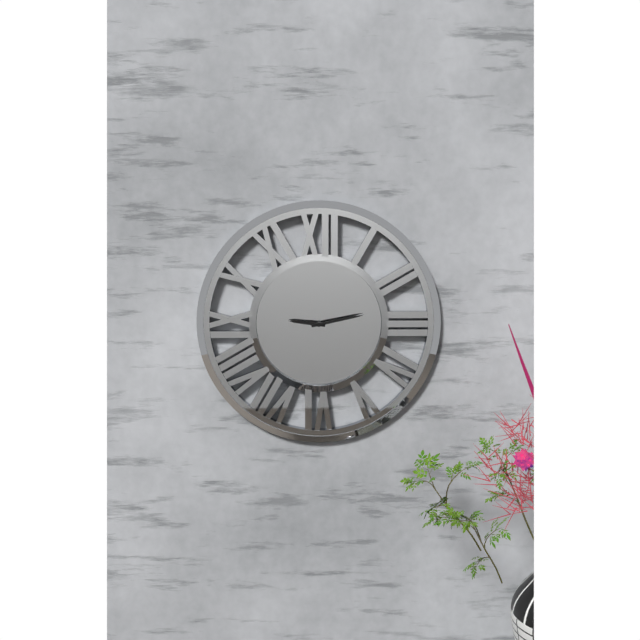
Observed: 9.13
